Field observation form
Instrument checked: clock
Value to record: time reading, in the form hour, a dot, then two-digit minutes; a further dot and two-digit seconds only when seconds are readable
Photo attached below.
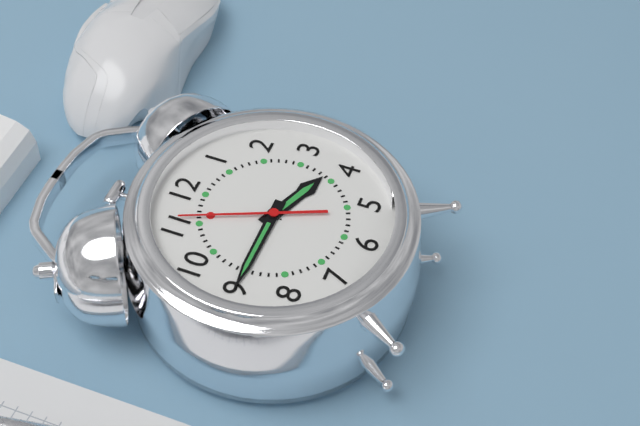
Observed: 3.45.56
